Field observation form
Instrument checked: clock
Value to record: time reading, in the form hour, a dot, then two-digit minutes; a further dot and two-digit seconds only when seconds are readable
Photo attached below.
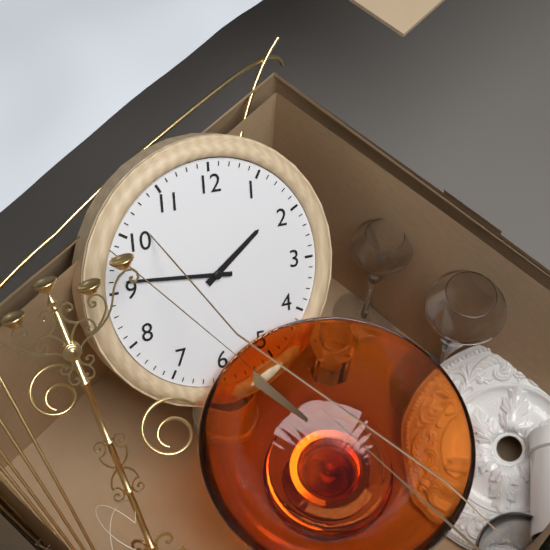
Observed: 1.46
